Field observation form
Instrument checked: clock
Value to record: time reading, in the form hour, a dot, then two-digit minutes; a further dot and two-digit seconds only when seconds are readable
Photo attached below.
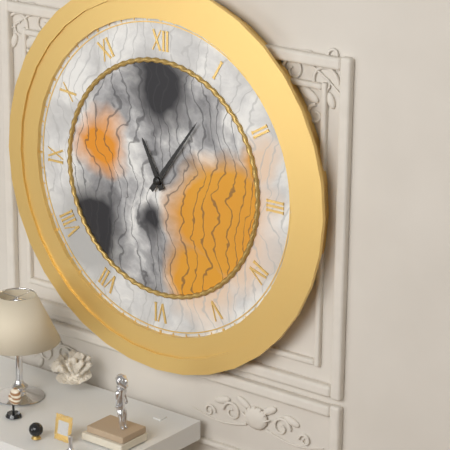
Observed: 11.06
